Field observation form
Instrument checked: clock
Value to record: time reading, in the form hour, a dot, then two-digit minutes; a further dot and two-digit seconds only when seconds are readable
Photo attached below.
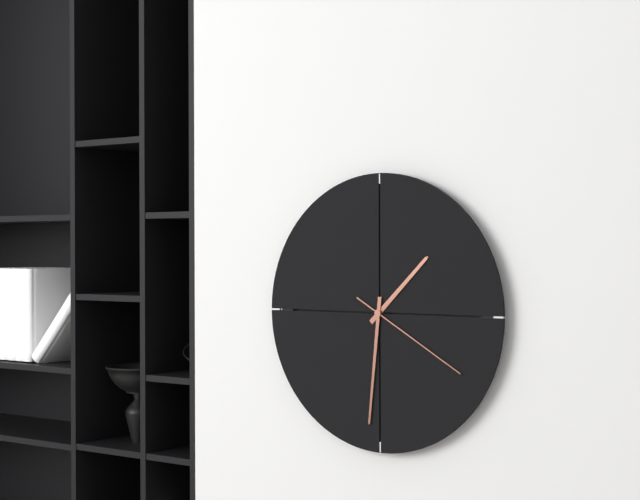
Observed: 1.31.20
